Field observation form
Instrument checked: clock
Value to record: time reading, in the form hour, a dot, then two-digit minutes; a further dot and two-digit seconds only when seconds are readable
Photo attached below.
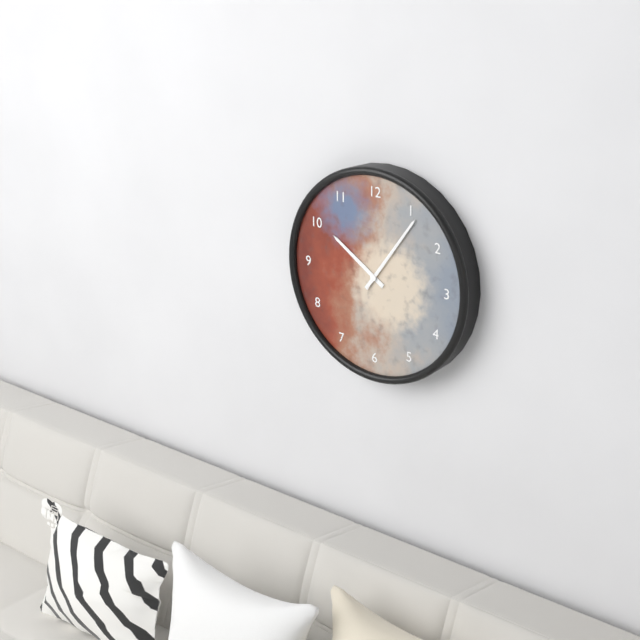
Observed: 10.06
